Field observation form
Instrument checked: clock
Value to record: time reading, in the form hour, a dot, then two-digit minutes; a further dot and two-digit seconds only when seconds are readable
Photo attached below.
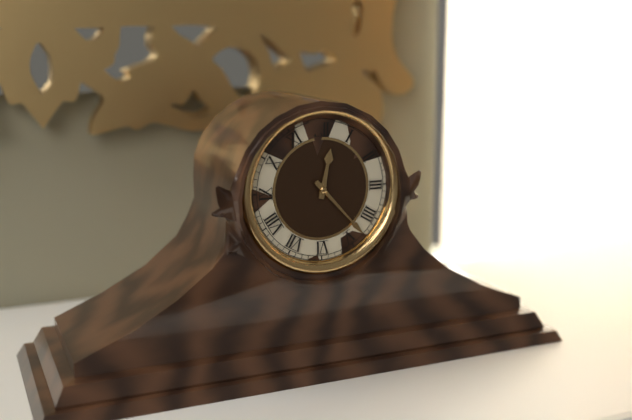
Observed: 12.23
